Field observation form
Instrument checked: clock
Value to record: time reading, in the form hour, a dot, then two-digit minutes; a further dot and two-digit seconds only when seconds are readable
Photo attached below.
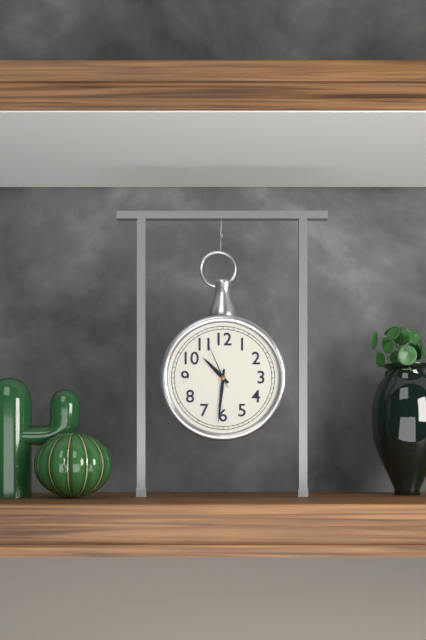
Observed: 10.31
